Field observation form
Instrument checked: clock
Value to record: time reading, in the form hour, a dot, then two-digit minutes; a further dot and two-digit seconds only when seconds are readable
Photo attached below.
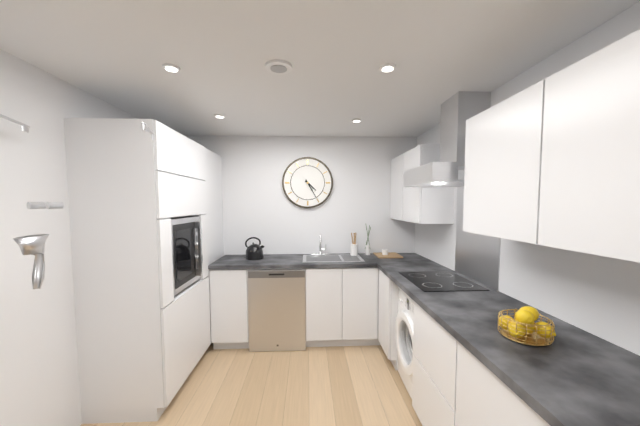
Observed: 4.25
